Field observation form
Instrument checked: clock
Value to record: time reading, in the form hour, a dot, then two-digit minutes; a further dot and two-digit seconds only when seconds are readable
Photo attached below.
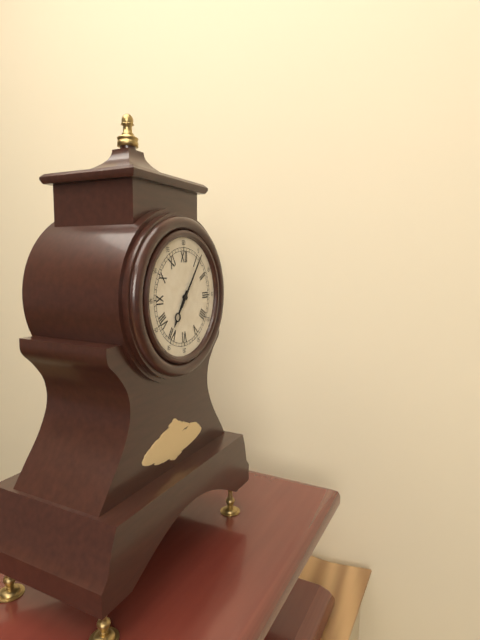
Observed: 7.06
